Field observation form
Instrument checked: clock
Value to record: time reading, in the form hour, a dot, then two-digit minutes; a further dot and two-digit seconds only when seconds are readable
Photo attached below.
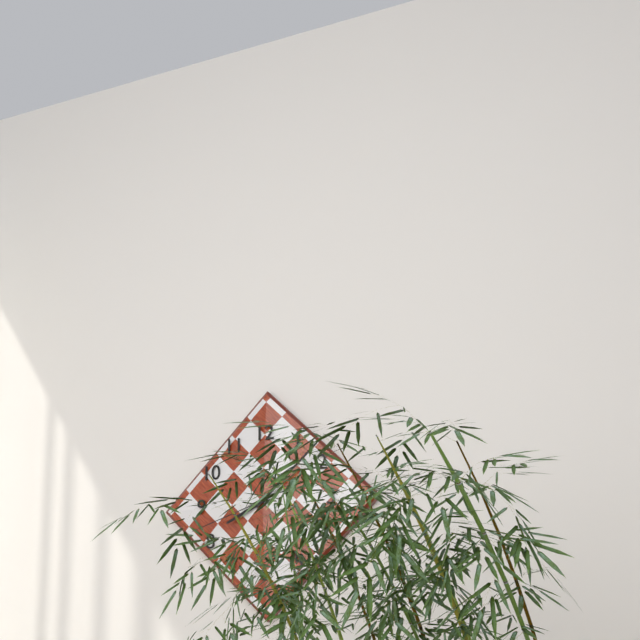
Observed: 8.08.42
